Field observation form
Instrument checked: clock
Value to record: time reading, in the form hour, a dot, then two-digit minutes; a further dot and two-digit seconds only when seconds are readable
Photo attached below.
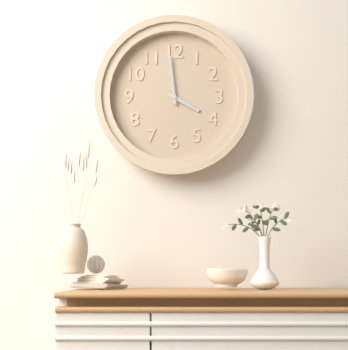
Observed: 3.59
